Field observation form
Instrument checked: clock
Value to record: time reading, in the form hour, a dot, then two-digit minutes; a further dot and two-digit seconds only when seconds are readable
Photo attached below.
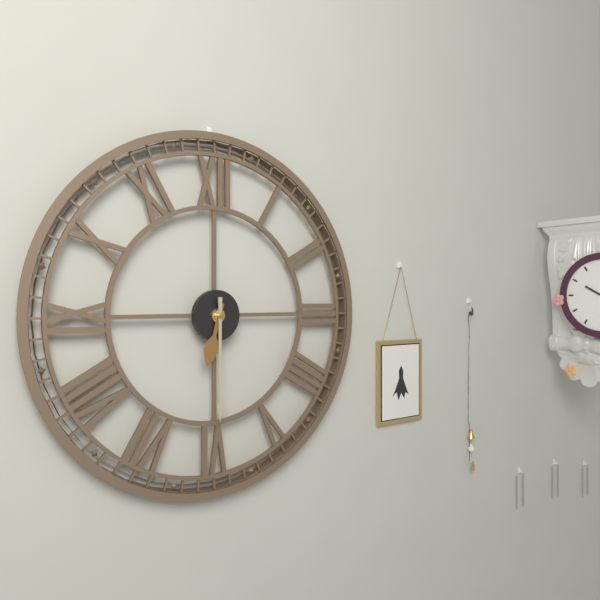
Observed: 6.30
